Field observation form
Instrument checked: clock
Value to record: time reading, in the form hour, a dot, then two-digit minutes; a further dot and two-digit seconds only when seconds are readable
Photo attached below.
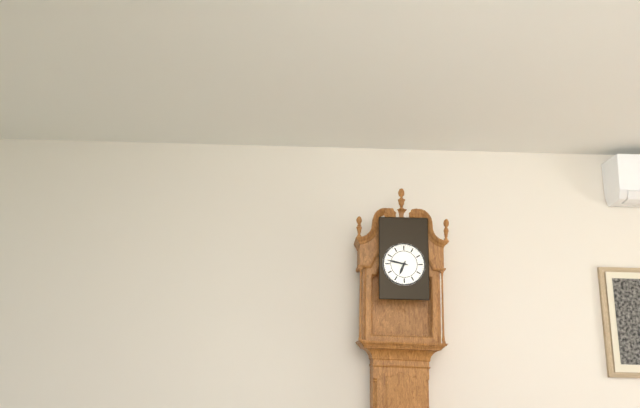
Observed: 6.47
